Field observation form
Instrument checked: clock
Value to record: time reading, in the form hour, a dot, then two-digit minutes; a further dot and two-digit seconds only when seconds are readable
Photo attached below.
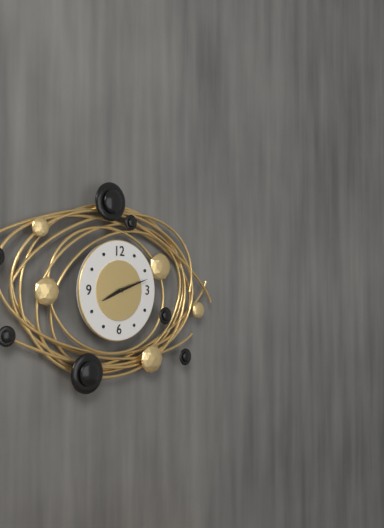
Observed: 8.12
